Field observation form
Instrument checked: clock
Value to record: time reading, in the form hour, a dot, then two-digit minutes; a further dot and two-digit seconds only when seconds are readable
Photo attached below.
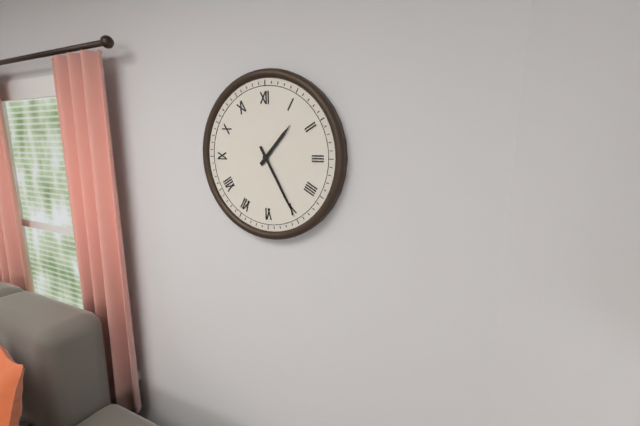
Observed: 1.25
